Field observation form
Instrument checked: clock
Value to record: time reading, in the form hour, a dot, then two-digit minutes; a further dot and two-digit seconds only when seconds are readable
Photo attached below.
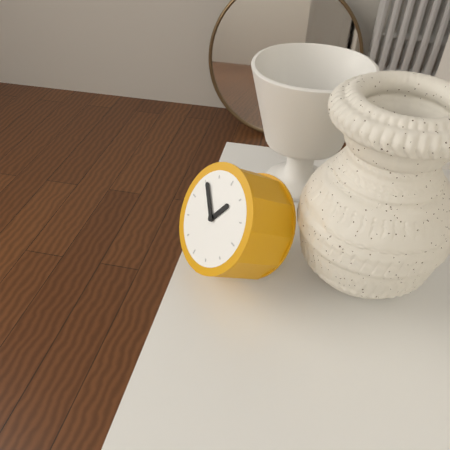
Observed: 12.51
